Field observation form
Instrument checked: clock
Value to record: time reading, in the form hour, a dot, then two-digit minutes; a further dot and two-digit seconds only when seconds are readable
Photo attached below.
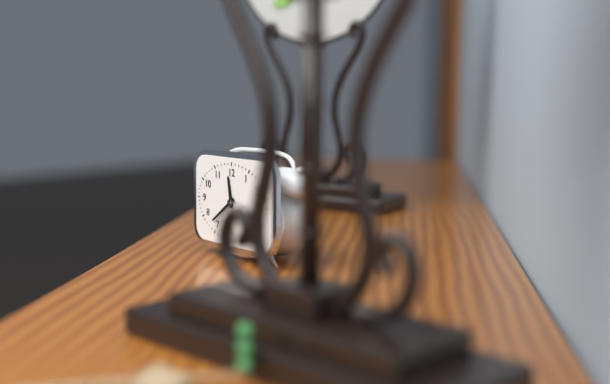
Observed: 11.39
